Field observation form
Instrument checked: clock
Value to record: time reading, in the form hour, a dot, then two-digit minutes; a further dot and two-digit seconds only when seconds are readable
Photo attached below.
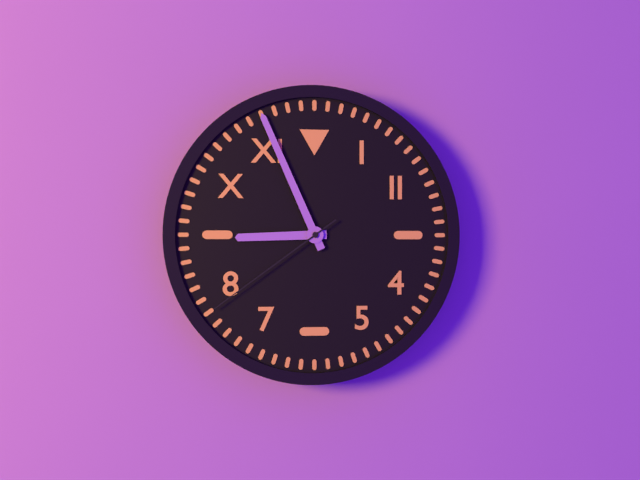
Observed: 8.56.39
